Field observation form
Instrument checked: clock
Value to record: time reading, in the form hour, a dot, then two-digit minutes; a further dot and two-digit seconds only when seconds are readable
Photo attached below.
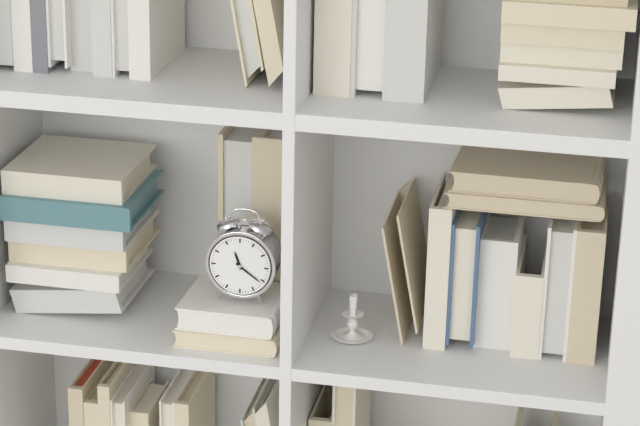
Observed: 11.21
